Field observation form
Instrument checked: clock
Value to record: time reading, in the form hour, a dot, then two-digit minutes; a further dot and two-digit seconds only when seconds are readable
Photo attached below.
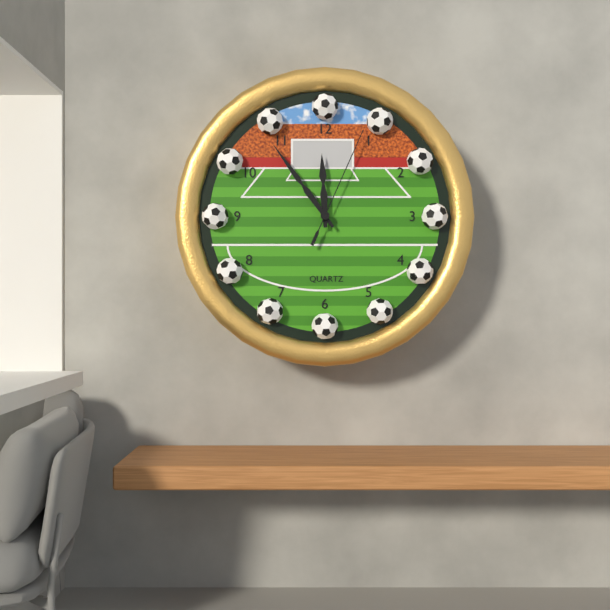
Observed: 11.54.04
